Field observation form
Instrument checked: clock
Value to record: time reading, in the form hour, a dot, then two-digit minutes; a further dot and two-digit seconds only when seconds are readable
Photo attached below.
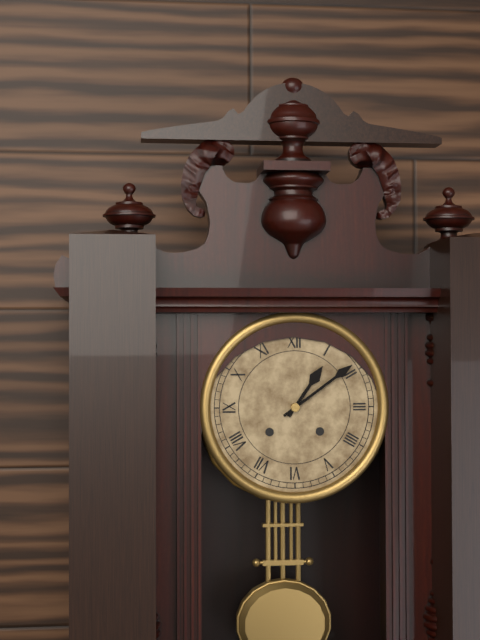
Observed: 1.09
